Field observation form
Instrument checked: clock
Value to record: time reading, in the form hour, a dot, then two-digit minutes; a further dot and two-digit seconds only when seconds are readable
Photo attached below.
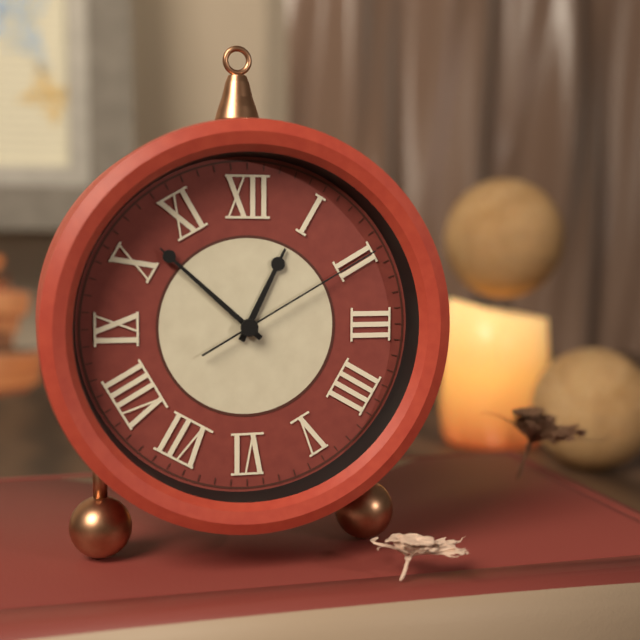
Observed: 12.52.10
